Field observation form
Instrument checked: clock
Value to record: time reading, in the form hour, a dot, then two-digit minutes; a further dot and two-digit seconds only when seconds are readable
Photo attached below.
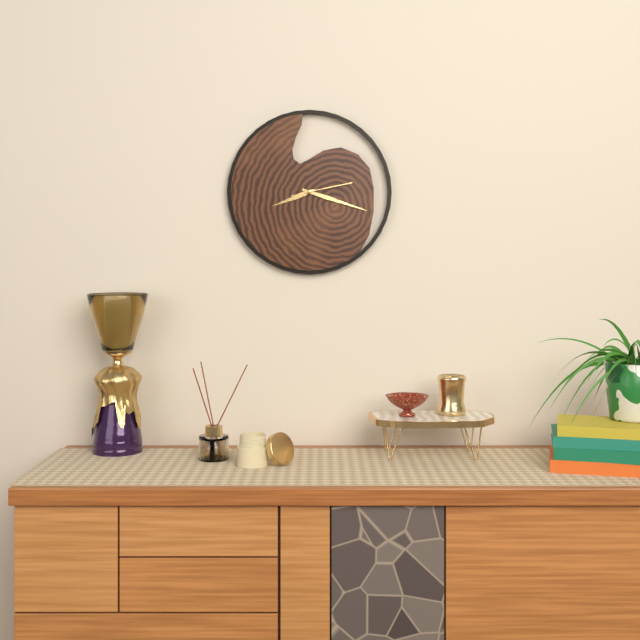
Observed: 8.18.13
